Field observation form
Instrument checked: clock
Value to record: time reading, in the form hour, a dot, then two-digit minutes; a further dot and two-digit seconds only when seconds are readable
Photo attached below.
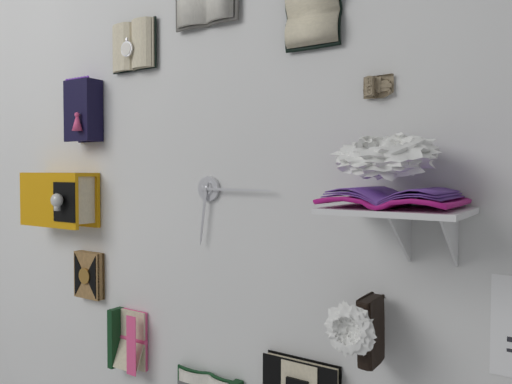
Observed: 6.15
